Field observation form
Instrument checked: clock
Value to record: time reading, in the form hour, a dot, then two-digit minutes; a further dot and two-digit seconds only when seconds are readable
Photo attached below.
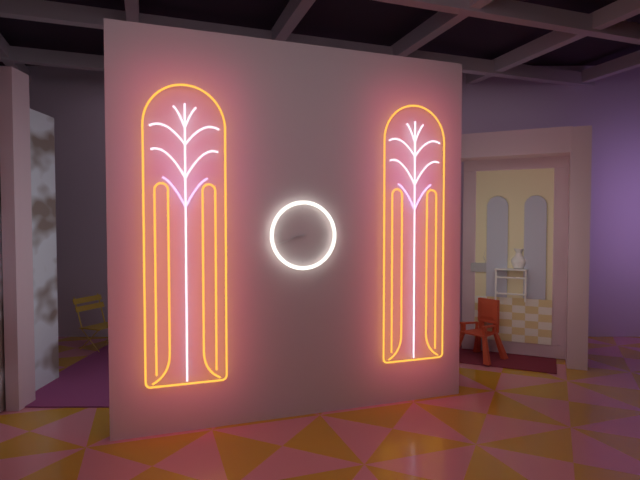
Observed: 8.42
